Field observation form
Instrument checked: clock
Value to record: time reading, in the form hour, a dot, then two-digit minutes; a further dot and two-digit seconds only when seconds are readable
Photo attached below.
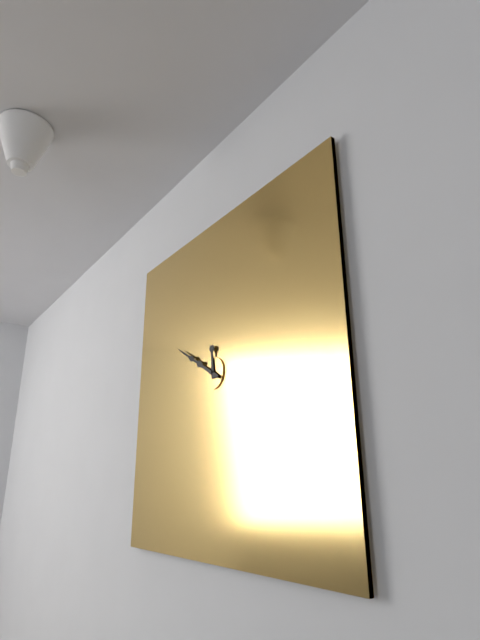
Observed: 11.50
